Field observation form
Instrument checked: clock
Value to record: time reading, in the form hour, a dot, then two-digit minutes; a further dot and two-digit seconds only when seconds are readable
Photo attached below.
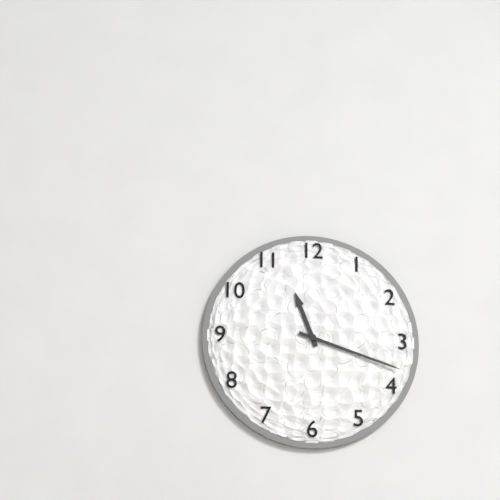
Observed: 11.18
